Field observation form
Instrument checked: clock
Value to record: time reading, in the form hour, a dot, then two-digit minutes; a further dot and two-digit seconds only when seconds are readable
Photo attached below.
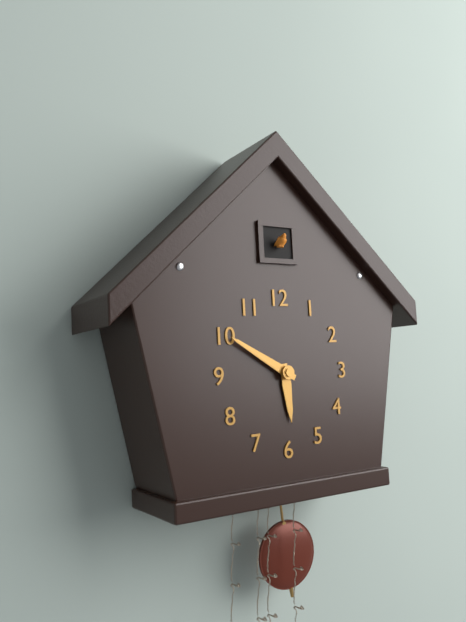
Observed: 5.50
